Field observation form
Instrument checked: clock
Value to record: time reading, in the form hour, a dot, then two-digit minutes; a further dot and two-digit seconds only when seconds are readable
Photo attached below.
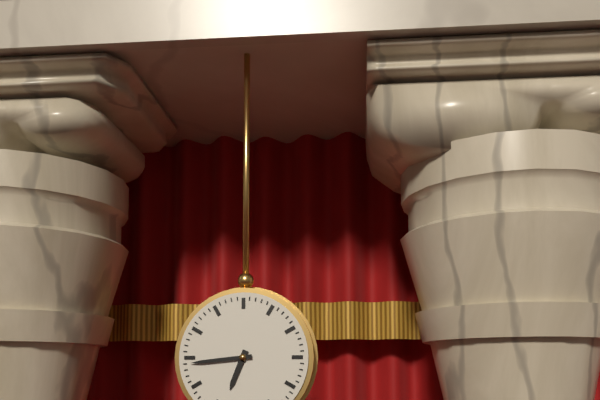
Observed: 6.44
